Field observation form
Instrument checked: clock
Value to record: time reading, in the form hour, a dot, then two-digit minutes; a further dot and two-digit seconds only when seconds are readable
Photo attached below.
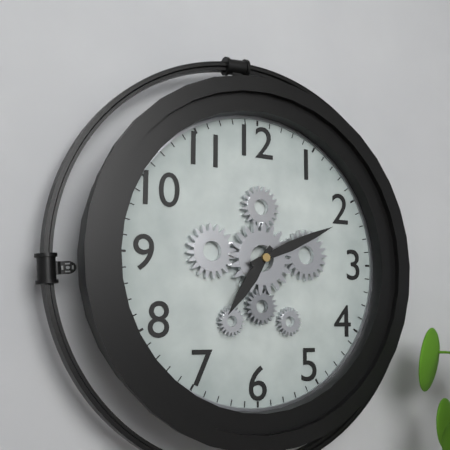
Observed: 7.11
